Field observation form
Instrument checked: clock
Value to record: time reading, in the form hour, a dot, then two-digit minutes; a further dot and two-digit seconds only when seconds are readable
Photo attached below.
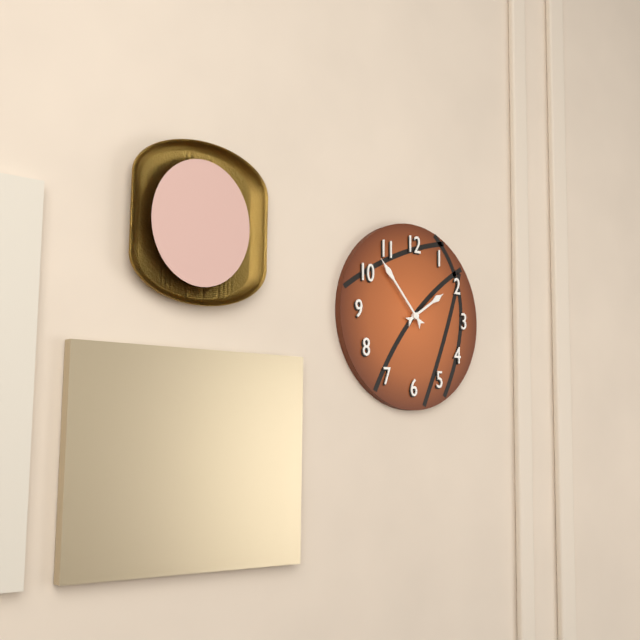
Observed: 1.53
